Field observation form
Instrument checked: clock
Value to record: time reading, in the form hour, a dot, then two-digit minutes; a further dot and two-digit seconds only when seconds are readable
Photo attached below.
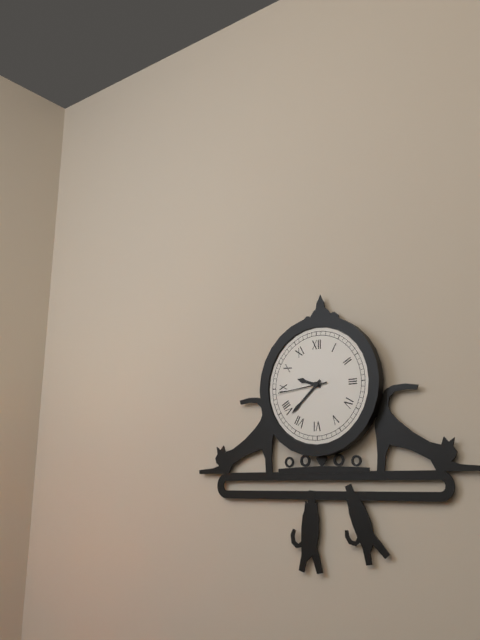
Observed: 9.38
